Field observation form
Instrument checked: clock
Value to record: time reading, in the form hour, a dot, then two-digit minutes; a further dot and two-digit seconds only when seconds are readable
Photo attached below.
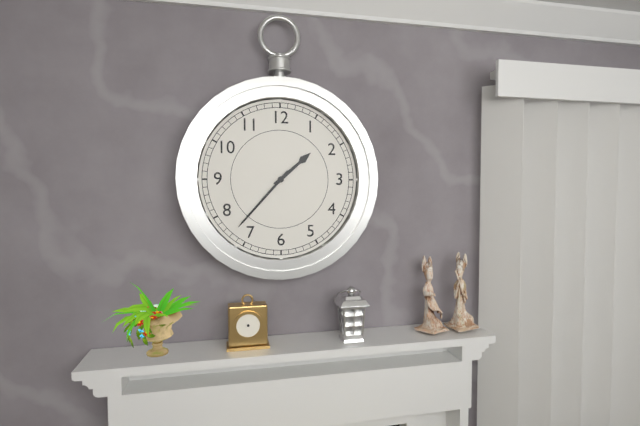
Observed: 1.37
